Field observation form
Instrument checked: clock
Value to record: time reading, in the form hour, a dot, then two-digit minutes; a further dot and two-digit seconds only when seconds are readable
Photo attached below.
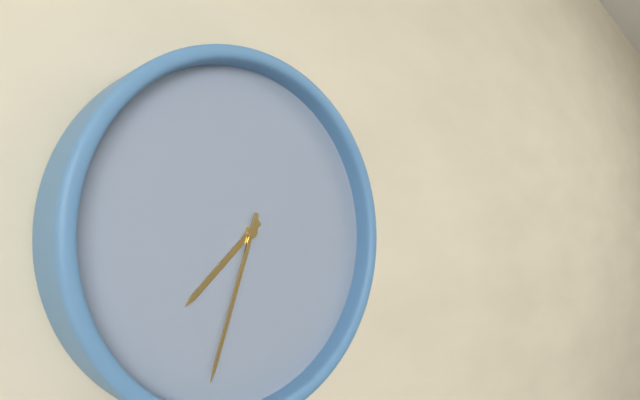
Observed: 7.33
